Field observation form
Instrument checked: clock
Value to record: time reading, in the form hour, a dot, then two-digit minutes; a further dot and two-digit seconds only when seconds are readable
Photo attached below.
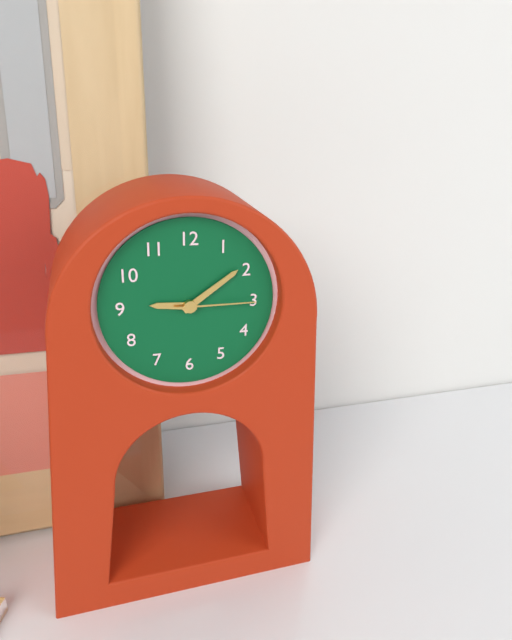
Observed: 9.09.15
